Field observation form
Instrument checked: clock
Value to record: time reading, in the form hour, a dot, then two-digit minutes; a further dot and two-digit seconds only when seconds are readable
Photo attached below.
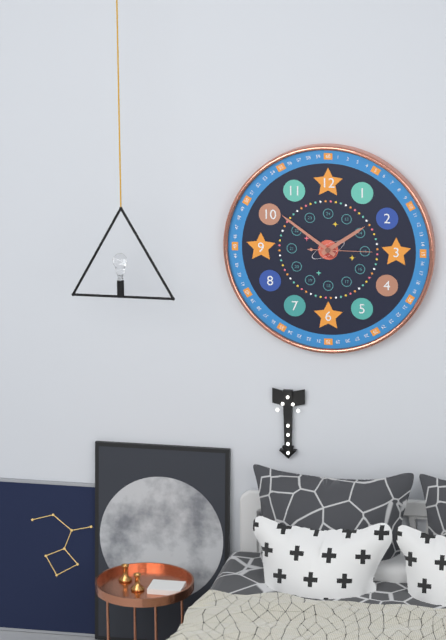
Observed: 1.51.15
